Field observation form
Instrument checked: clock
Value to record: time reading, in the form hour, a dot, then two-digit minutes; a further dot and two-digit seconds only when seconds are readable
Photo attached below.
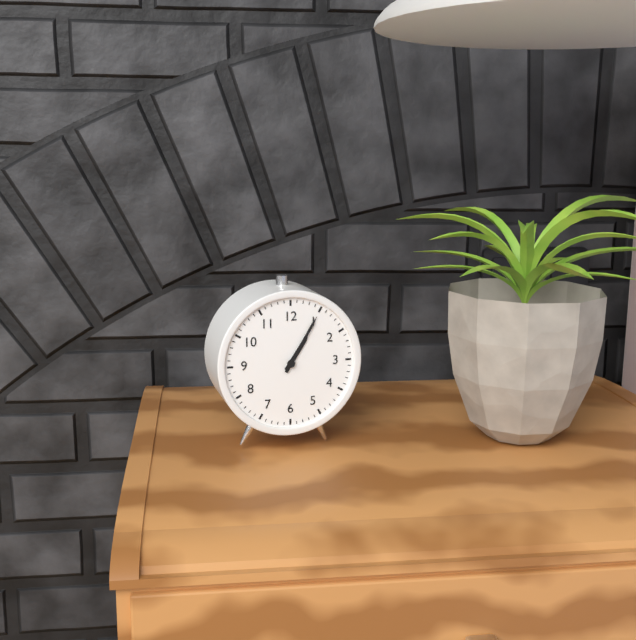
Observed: 1.05
